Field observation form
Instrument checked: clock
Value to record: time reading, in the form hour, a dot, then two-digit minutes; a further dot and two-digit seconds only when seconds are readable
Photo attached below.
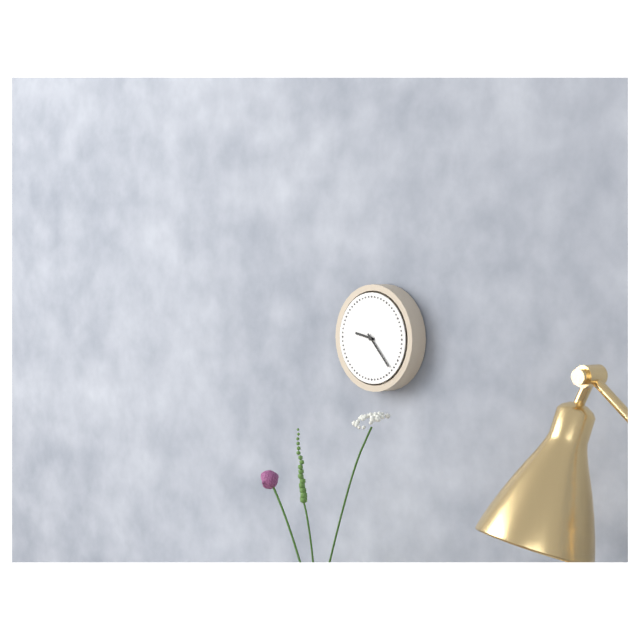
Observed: 9.23
